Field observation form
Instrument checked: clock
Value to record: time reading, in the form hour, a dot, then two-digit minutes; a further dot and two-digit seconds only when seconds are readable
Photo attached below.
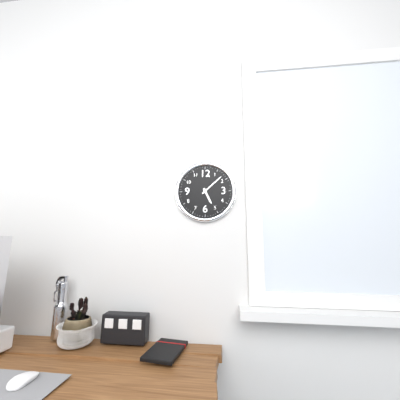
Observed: 5.08
